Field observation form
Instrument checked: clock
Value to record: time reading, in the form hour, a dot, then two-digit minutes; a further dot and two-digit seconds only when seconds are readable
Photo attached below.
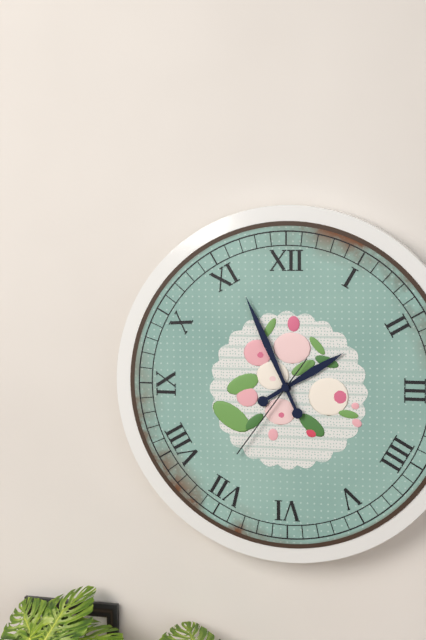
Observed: 1.56.36
